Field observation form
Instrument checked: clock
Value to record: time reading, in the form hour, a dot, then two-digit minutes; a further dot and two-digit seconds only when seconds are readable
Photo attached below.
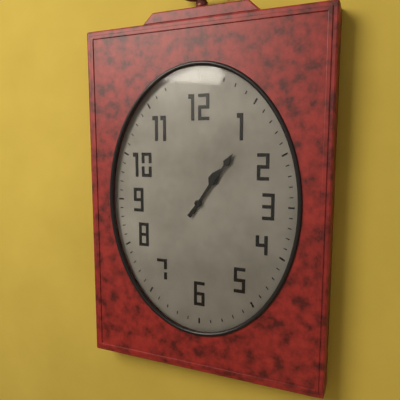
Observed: 1.06
